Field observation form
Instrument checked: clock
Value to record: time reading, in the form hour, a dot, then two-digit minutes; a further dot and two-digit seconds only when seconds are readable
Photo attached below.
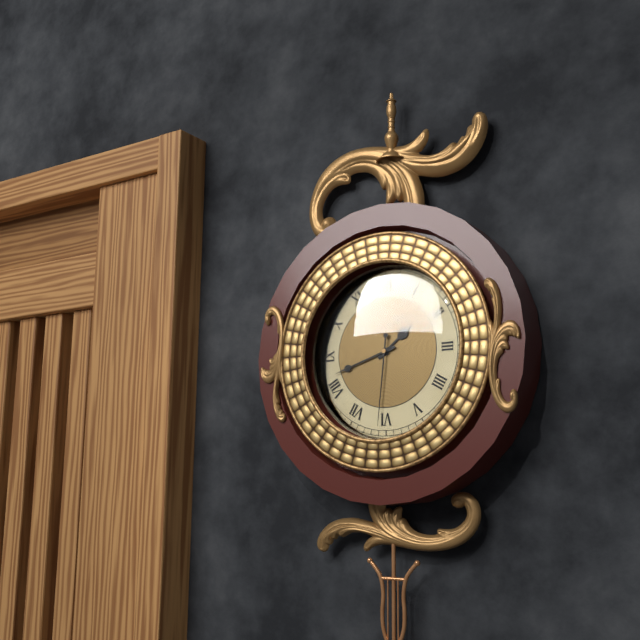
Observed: 1.42.31
